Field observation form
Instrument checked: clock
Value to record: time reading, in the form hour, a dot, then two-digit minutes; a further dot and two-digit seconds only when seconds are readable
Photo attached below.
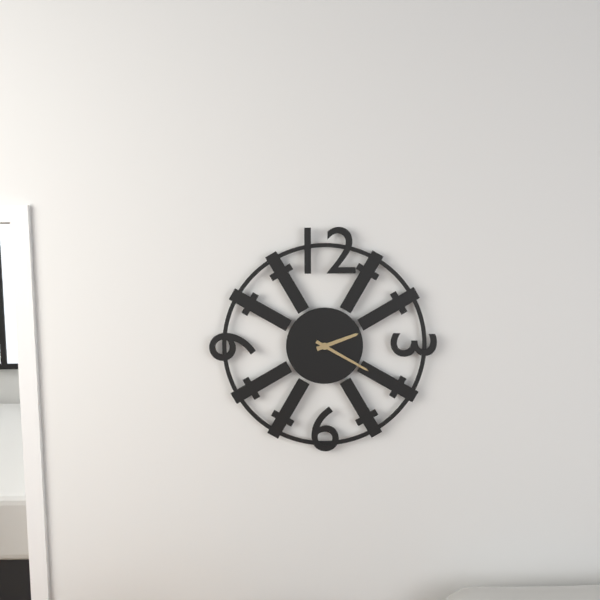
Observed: 2.20
